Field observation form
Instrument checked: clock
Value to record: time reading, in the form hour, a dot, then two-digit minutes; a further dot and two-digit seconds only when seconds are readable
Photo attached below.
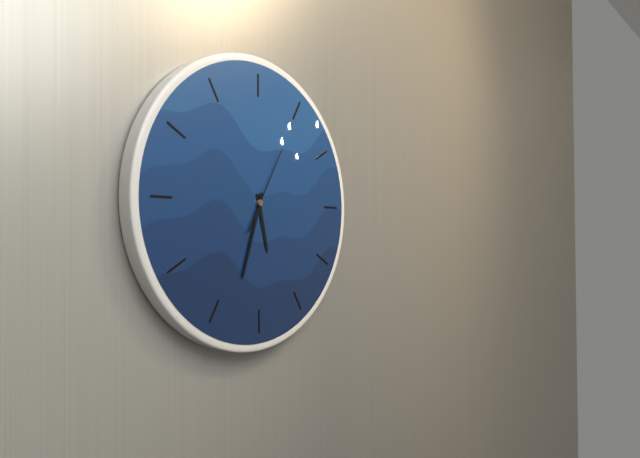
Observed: 5.33.05
